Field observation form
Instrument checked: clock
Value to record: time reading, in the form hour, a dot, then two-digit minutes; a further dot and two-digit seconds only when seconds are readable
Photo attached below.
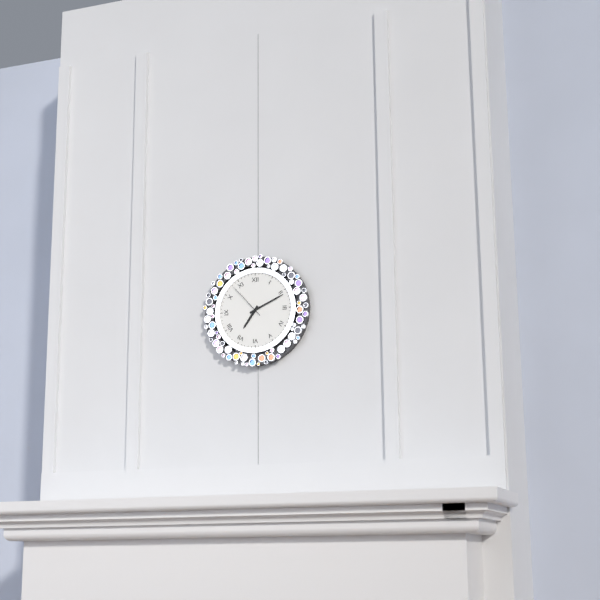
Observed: 7.11
